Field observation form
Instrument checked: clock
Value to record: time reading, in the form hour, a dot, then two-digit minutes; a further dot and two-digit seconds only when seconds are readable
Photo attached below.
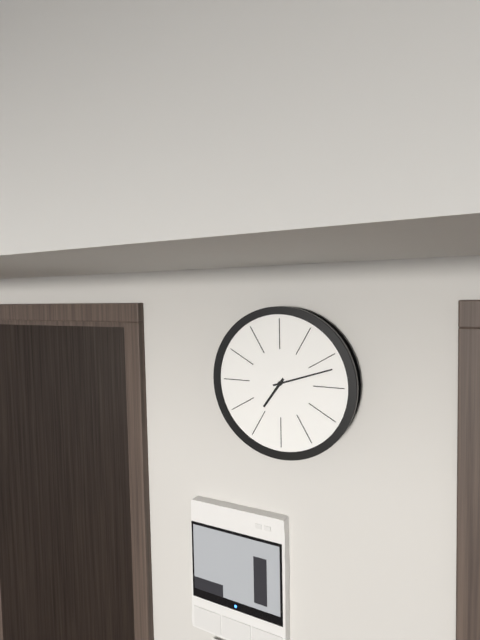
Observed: 7.12
